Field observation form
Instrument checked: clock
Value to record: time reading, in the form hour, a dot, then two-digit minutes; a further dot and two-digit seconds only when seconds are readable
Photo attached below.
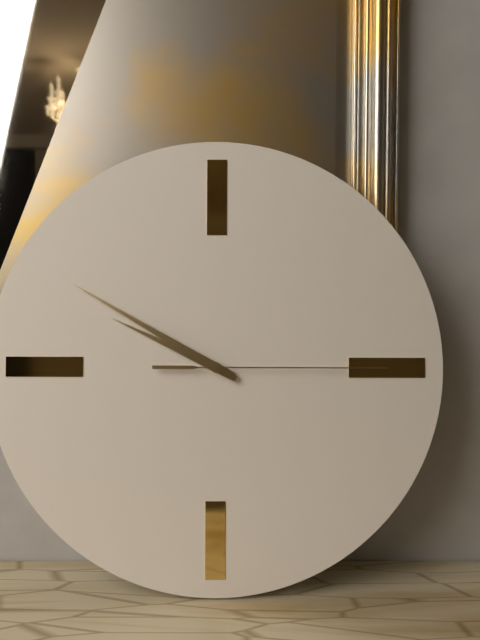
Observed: 9.50.15
